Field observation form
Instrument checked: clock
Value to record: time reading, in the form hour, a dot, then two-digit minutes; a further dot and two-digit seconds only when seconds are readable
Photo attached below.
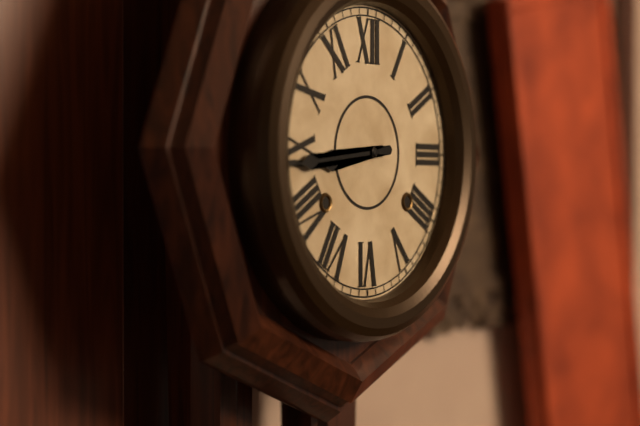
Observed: 8.44
